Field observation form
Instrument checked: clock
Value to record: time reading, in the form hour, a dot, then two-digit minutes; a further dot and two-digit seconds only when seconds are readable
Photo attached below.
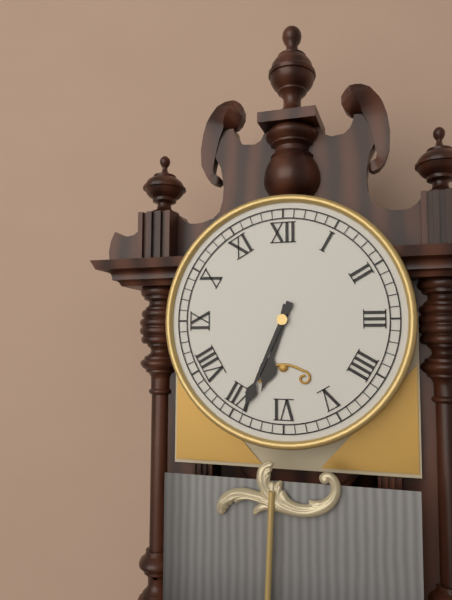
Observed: 6.34
